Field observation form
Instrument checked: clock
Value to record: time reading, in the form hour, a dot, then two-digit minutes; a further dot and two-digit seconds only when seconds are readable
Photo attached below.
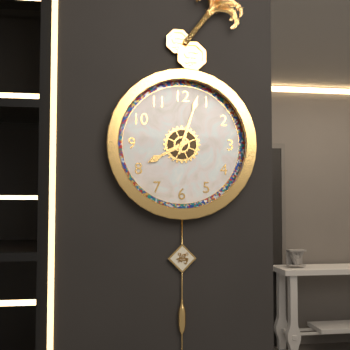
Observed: 8.03
